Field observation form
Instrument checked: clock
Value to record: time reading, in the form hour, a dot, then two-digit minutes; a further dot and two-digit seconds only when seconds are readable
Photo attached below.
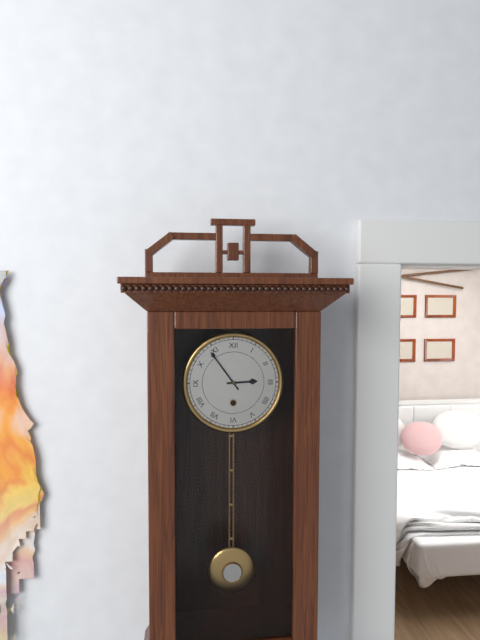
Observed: 2.54
